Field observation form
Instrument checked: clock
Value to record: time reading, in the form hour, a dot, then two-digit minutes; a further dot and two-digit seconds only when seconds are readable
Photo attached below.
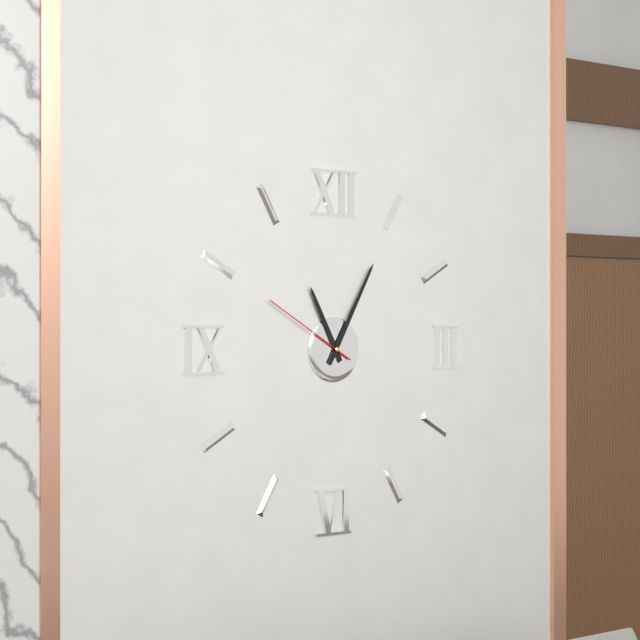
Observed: 11.05.50
